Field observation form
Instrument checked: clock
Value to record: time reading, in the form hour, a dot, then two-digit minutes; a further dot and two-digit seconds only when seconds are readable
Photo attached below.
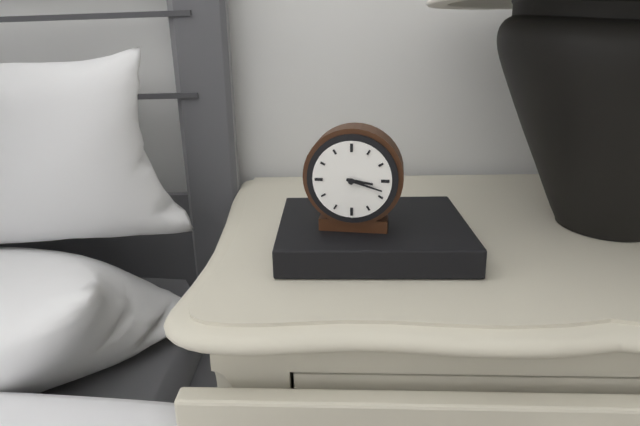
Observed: 3.18
